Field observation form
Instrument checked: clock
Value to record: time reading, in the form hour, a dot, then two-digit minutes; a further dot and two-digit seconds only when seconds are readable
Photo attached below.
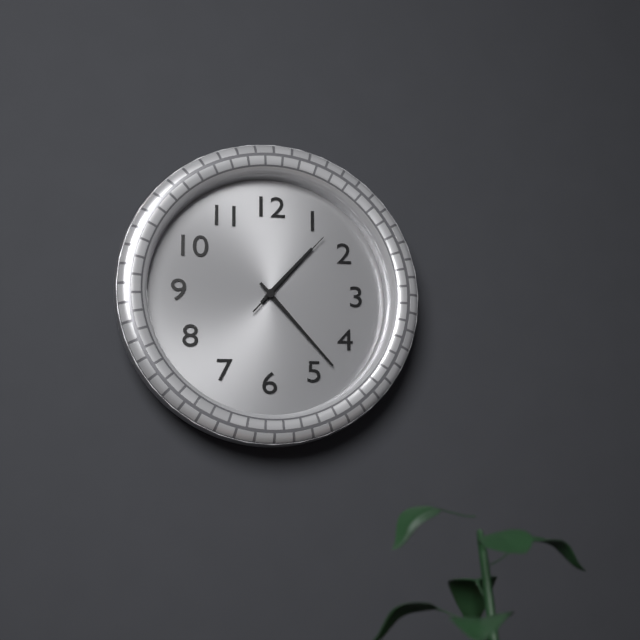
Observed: 1.23.07
